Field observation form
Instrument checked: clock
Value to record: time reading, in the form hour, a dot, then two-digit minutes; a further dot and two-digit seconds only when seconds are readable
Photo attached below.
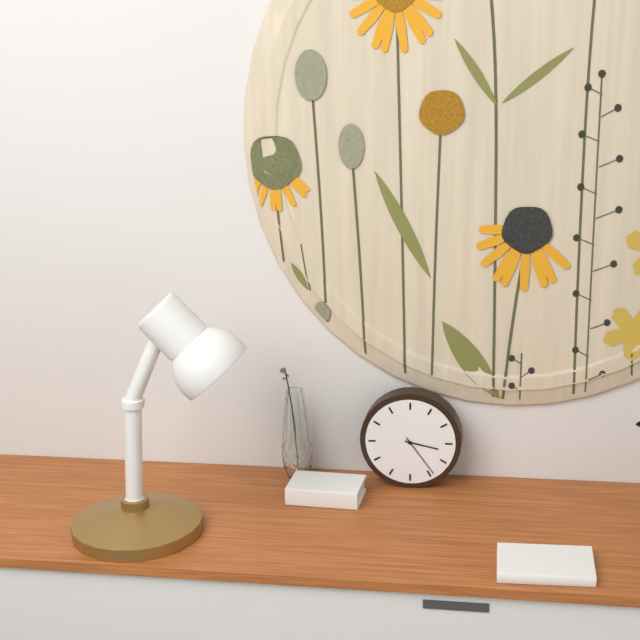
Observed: 3.24
